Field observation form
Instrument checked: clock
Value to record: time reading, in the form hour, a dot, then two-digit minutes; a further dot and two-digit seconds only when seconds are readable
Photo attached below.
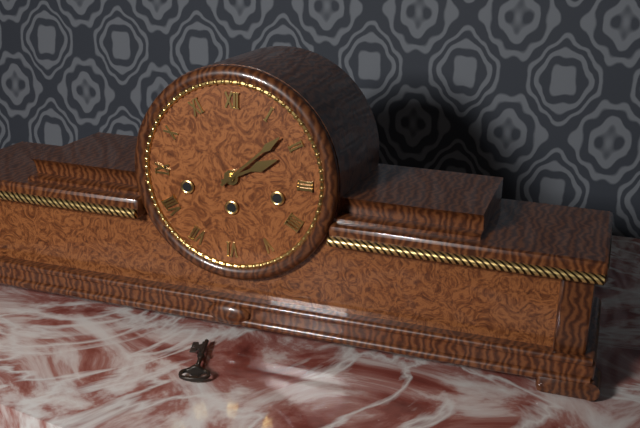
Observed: 2.08
